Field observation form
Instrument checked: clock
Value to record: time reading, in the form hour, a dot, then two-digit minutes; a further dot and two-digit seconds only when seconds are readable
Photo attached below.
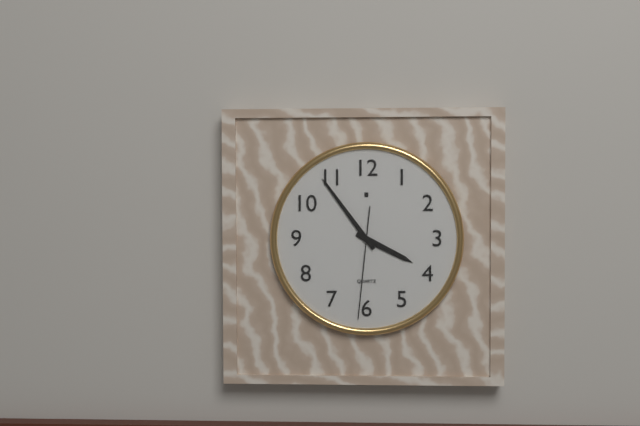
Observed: 3.54.31
